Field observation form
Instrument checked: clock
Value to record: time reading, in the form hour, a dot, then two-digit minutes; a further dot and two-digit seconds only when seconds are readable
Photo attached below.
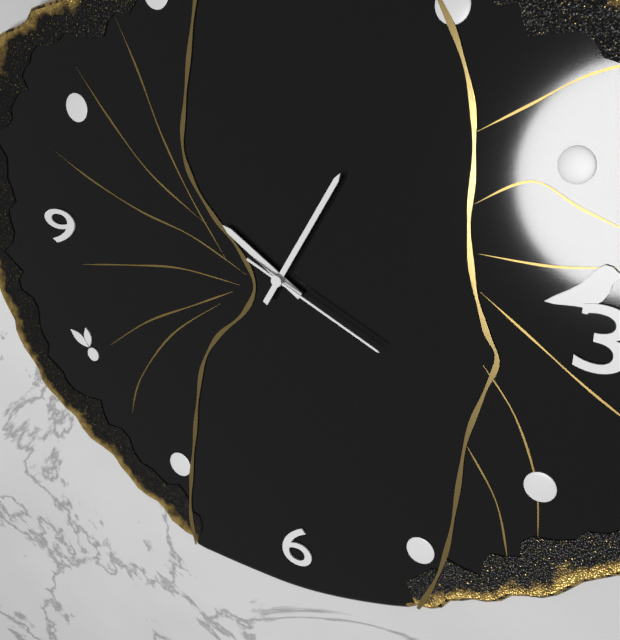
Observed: 10.05.19
